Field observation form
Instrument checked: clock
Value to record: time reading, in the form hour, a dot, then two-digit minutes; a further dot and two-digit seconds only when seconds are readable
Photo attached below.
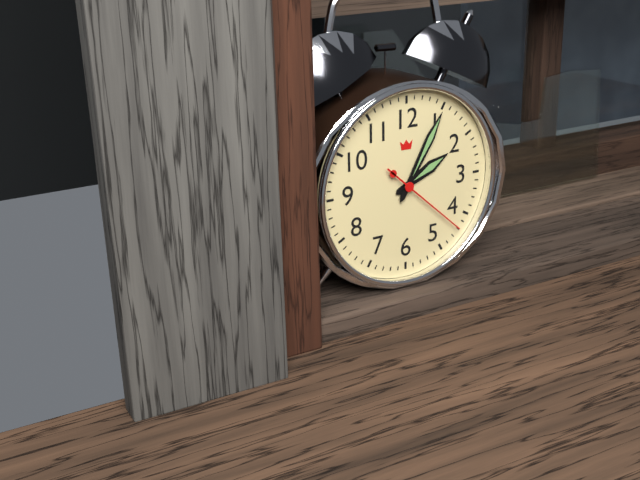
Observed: 2.05.22
